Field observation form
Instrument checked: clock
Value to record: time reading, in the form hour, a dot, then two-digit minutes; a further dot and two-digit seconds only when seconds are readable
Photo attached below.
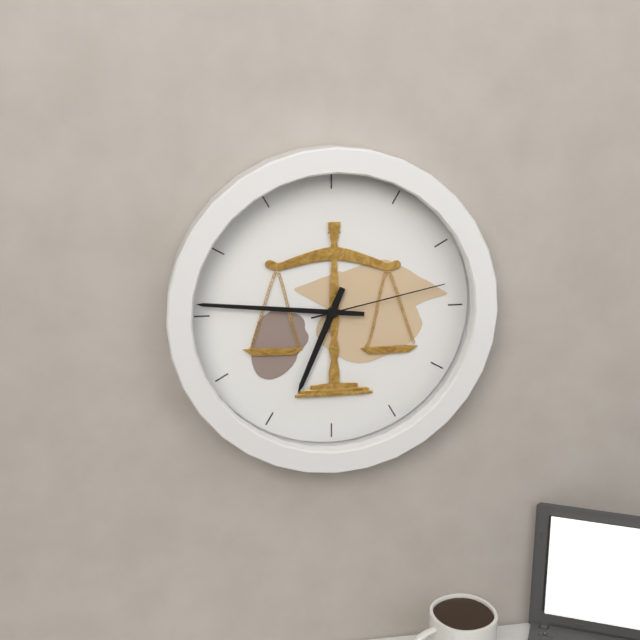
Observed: 6.46.13
